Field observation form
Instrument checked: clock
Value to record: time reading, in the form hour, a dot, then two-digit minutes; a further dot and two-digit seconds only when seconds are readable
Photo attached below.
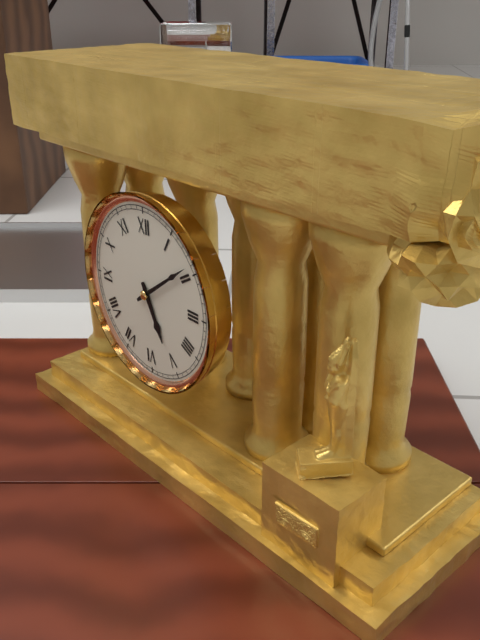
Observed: 5.09
